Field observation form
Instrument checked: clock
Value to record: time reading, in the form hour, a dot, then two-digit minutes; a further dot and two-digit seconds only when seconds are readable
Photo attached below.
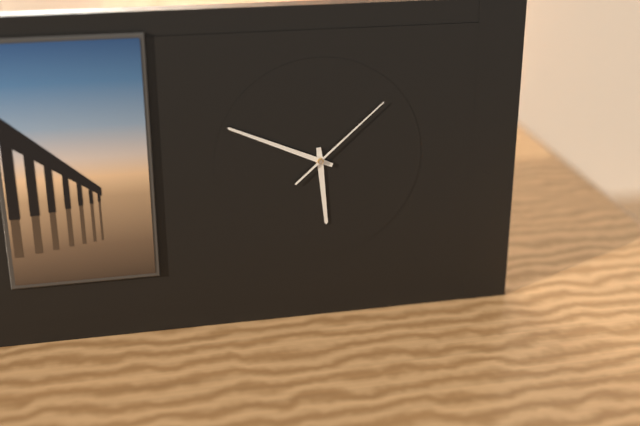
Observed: 5.49.08
